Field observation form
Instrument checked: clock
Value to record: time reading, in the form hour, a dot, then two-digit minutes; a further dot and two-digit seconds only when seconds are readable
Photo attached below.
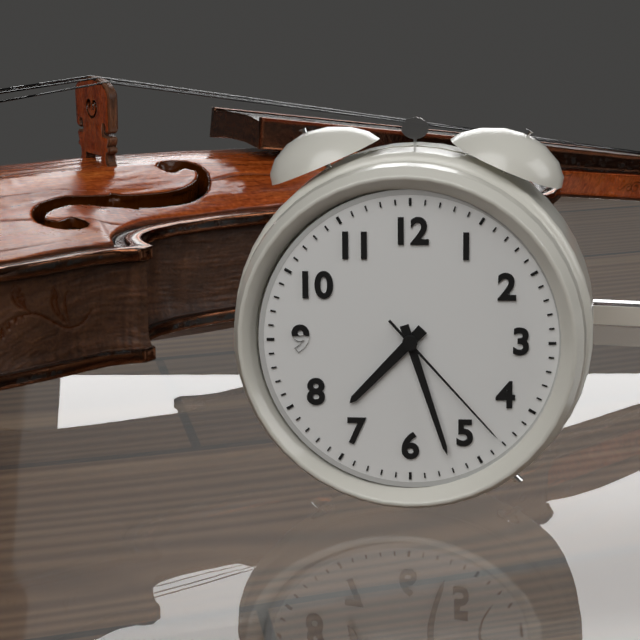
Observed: 7.27.23
